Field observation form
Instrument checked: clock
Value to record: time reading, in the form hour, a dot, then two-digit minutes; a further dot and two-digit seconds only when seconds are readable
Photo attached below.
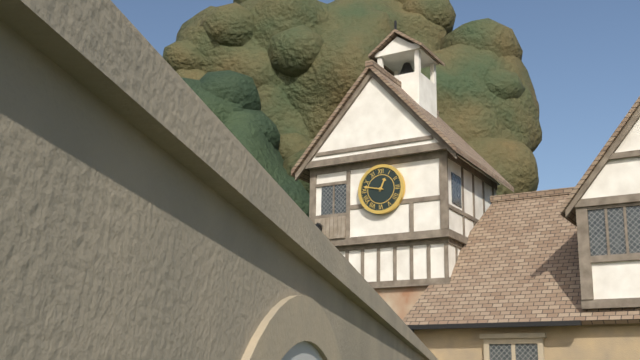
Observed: 12.47
